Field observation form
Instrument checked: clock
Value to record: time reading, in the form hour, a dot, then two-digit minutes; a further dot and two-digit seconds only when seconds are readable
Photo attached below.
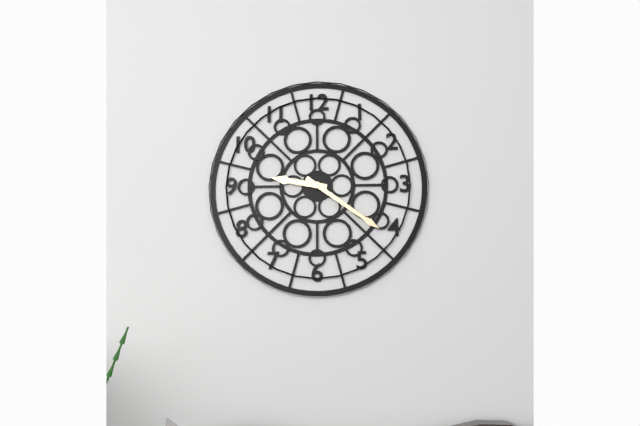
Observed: 9.21
